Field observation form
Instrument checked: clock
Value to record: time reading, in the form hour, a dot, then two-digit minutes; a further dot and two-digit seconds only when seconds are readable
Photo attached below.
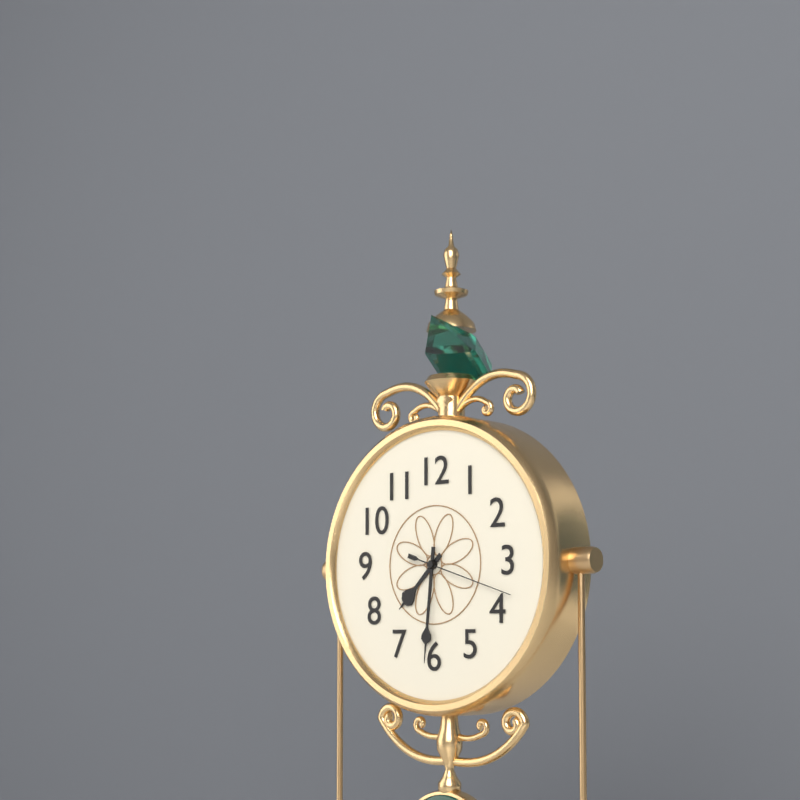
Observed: 7.31.18
